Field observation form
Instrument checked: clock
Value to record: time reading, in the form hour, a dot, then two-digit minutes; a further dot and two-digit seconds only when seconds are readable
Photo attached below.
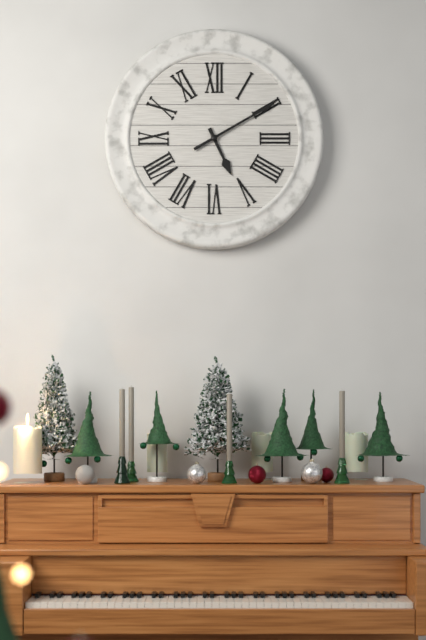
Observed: 5.10
